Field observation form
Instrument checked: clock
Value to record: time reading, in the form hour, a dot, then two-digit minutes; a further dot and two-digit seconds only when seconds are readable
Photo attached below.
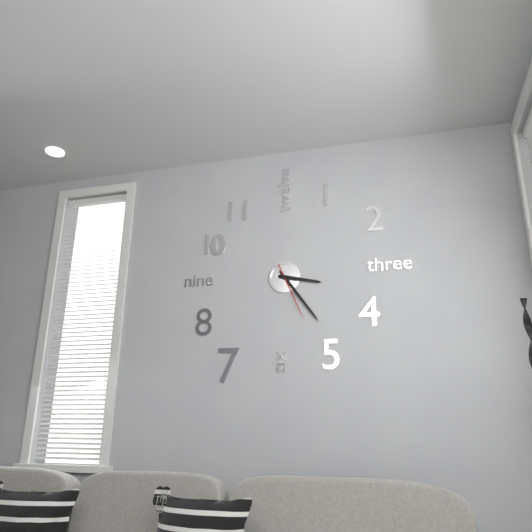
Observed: 3.24.26
